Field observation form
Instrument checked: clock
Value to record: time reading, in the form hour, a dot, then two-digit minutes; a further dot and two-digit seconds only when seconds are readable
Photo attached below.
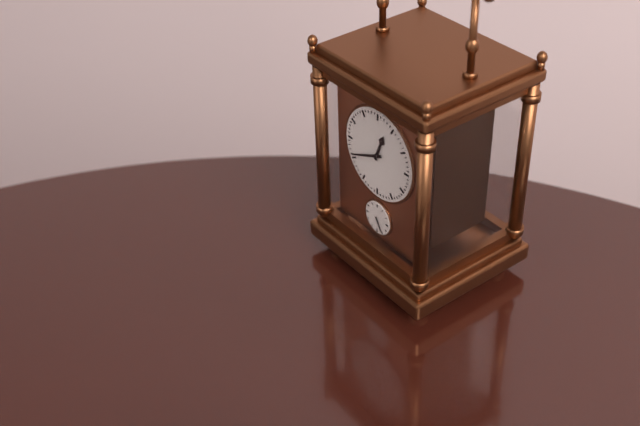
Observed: 12.41
